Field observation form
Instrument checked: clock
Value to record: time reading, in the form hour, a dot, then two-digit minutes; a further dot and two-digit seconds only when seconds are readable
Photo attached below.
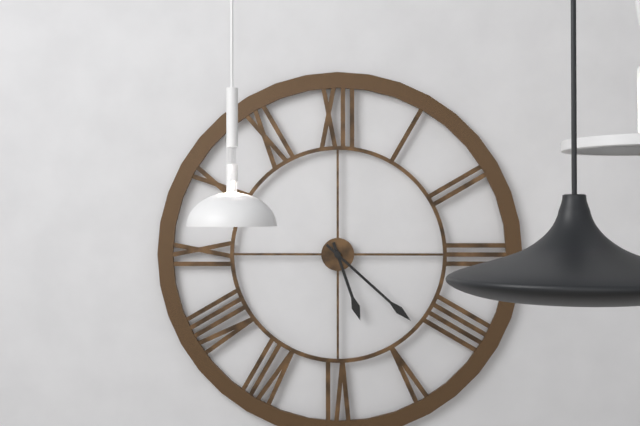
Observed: 5.22
